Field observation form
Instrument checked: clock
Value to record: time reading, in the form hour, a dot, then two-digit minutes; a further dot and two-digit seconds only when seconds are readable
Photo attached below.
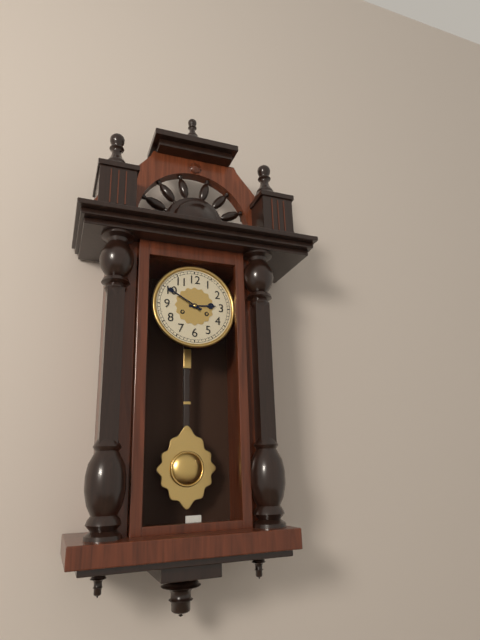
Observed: 2.50
